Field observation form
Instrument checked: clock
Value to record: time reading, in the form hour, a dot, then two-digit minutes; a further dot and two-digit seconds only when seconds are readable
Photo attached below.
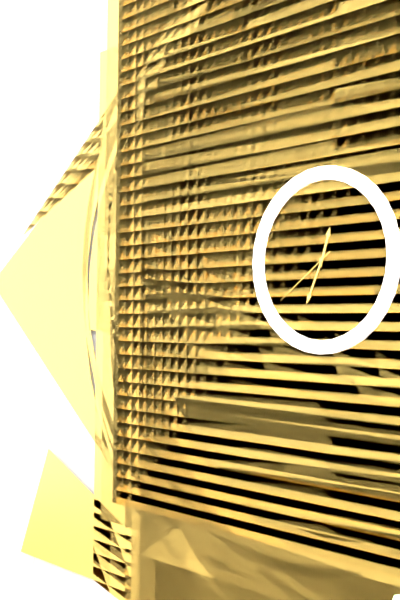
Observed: 12.34.39
